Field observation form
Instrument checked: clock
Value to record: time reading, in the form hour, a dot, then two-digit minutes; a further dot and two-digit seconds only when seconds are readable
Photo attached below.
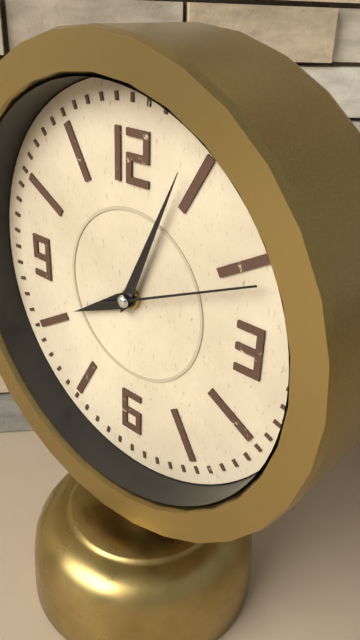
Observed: 8.04.11
